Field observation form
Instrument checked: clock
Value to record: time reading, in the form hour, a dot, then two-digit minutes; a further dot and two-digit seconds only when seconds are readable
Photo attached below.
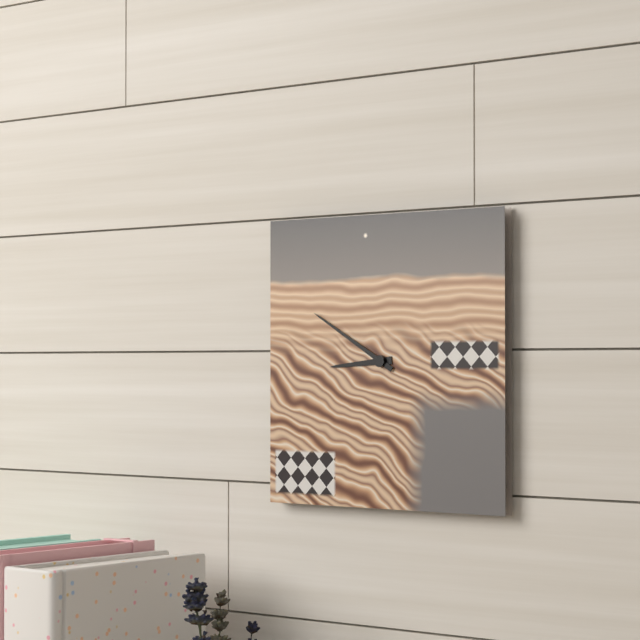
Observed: 8.50
